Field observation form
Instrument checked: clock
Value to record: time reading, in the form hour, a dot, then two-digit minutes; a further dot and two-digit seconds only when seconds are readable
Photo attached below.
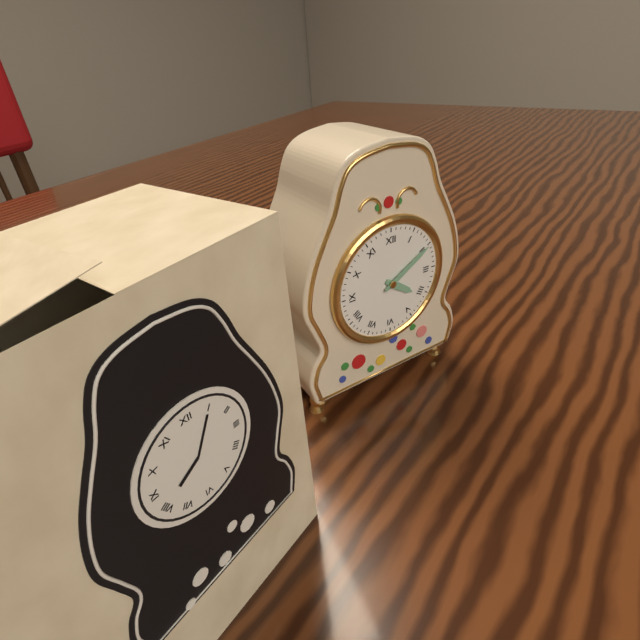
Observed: 4.10
